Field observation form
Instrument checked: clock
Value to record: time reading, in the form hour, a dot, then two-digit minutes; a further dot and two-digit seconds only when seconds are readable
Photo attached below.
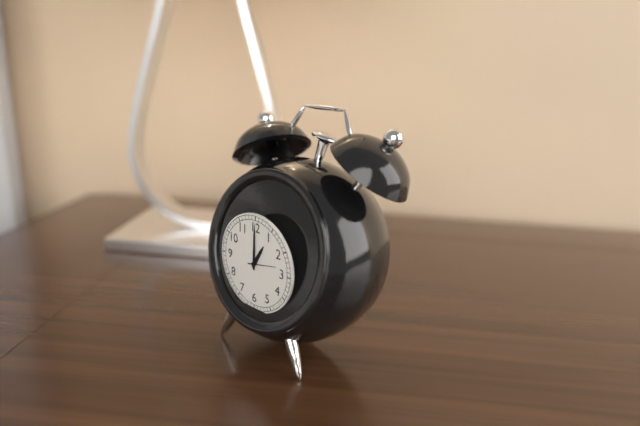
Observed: 1.00
